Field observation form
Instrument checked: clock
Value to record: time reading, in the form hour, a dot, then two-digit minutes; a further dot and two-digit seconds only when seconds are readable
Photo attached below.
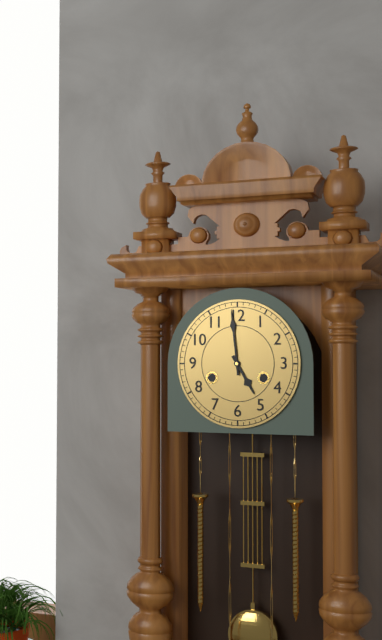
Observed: 4.59
